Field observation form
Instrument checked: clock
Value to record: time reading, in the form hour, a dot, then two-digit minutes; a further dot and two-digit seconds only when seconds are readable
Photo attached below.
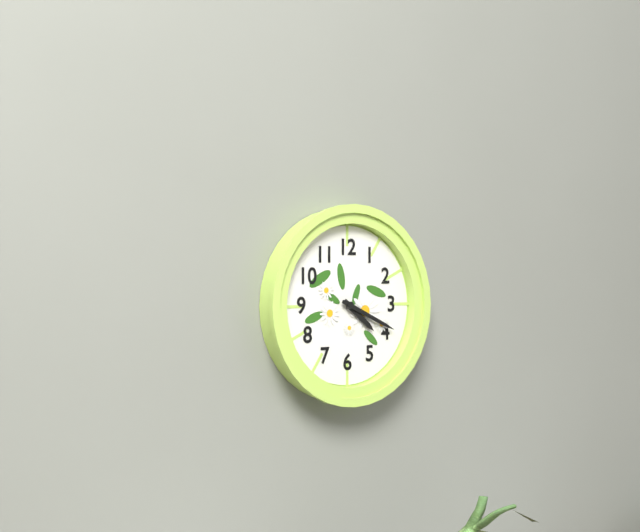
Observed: 4.19
